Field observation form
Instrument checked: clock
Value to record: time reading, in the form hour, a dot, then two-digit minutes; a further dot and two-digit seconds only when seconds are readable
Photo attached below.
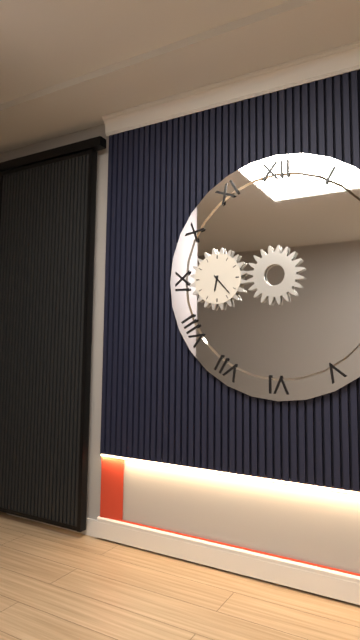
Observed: 6.23
